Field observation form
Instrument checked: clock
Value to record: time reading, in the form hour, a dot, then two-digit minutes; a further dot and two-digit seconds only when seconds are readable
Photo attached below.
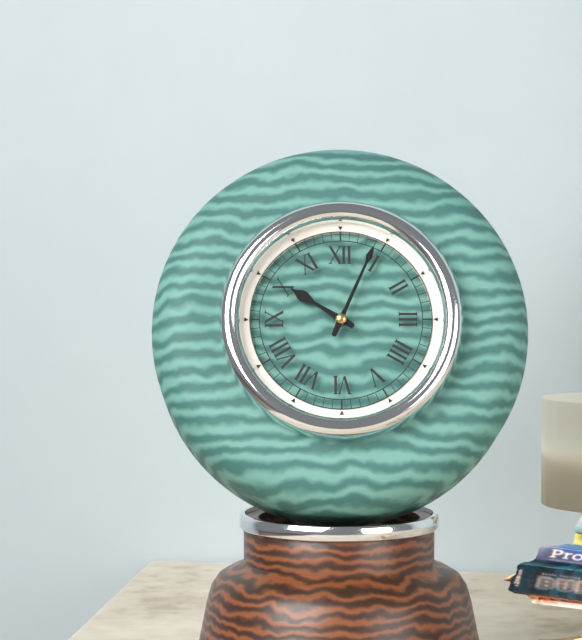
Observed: 10.04
